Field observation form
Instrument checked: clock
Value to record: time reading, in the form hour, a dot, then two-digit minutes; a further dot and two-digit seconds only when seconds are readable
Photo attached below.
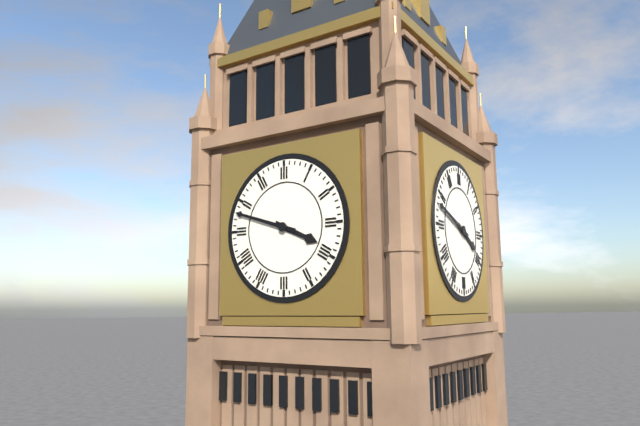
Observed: 3.48
